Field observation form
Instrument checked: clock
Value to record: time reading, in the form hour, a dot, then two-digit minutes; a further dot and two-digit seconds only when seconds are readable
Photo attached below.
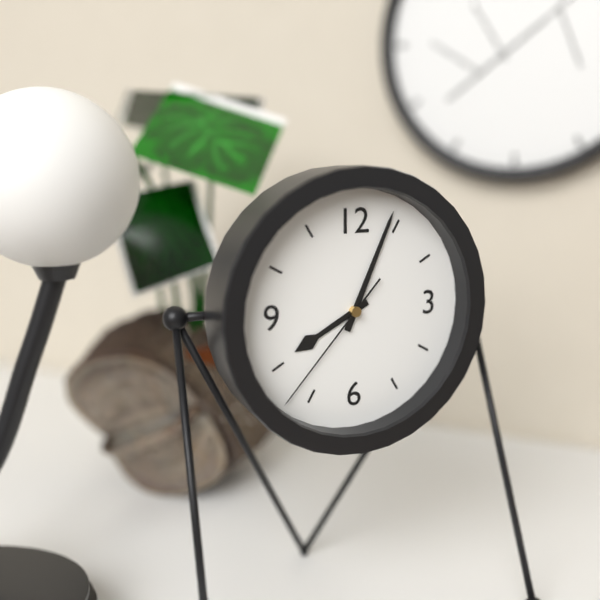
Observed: 8.04.37
